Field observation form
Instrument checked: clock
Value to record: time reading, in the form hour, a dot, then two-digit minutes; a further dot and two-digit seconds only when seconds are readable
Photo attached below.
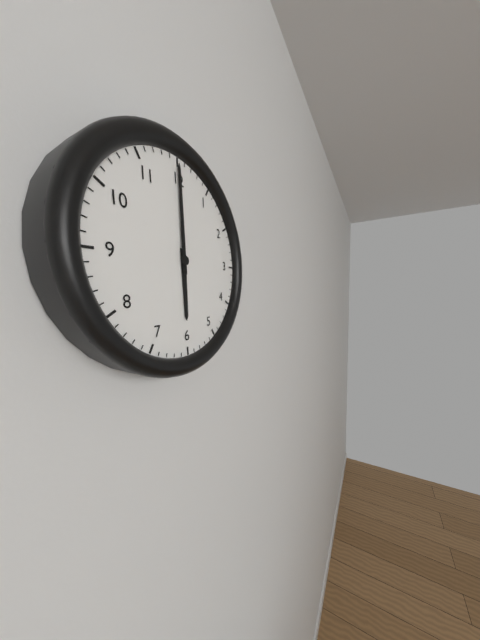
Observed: 6.00
